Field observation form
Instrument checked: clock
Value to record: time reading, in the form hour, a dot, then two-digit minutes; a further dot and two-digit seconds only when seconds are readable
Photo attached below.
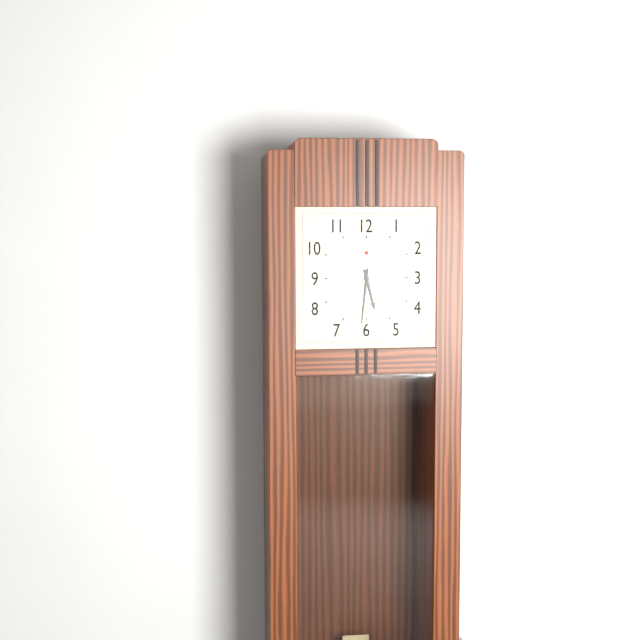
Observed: 5.31
